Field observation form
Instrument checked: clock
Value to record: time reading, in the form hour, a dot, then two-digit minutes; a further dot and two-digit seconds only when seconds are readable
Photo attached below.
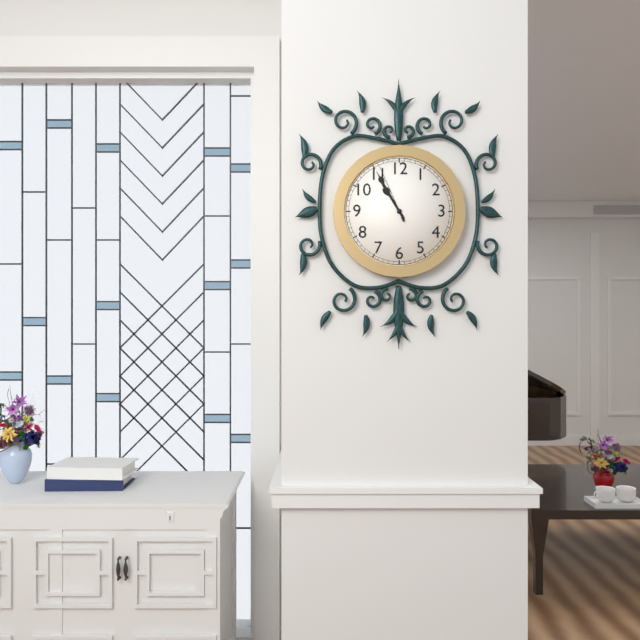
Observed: 10.55.56
